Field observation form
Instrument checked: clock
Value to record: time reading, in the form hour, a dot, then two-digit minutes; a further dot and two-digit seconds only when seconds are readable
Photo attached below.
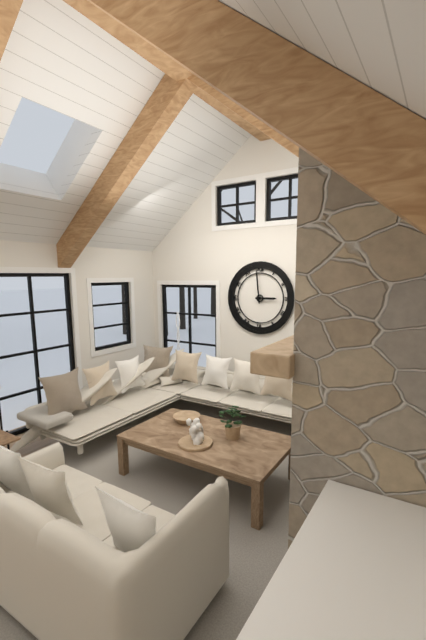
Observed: 2.59
